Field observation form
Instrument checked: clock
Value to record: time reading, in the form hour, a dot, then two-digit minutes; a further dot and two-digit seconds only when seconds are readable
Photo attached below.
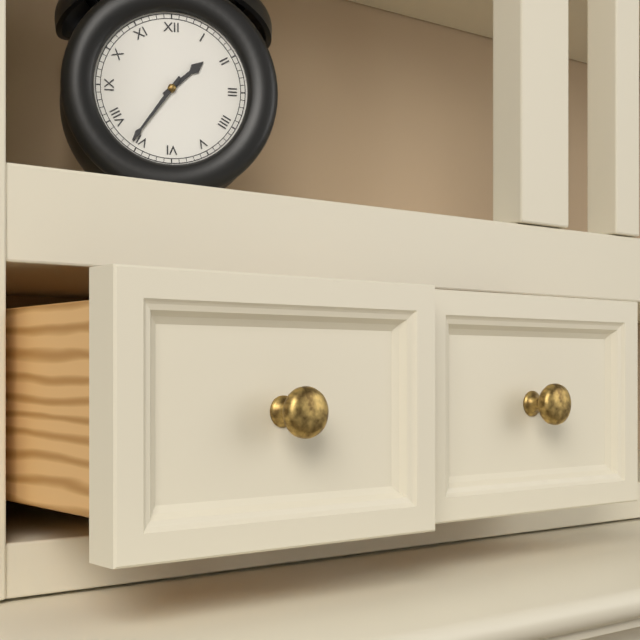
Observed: 1.36
